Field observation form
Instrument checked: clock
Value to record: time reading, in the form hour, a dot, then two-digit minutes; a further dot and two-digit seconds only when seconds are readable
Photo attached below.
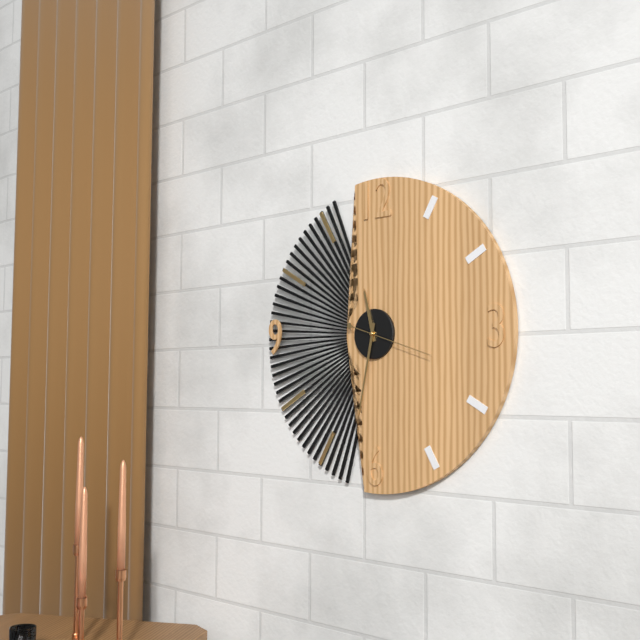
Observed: 11.32.18
